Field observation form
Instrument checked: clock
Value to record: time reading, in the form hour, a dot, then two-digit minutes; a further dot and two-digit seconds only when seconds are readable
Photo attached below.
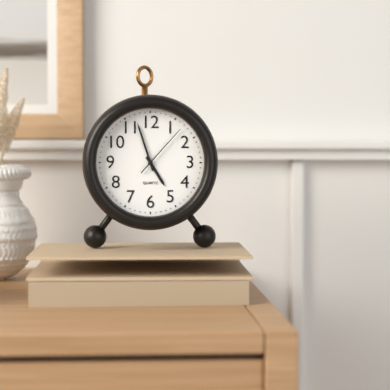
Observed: 4.57.07
